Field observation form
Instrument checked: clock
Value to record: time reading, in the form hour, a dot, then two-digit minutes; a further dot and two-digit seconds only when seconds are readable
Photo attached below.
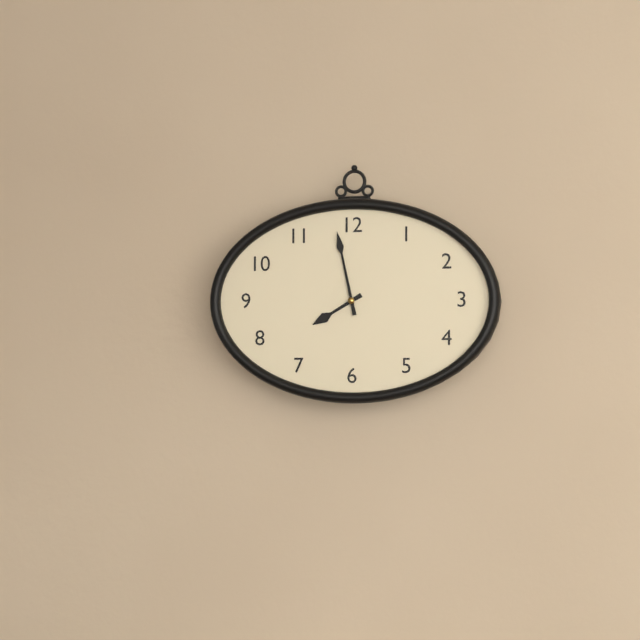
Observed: 7.58
